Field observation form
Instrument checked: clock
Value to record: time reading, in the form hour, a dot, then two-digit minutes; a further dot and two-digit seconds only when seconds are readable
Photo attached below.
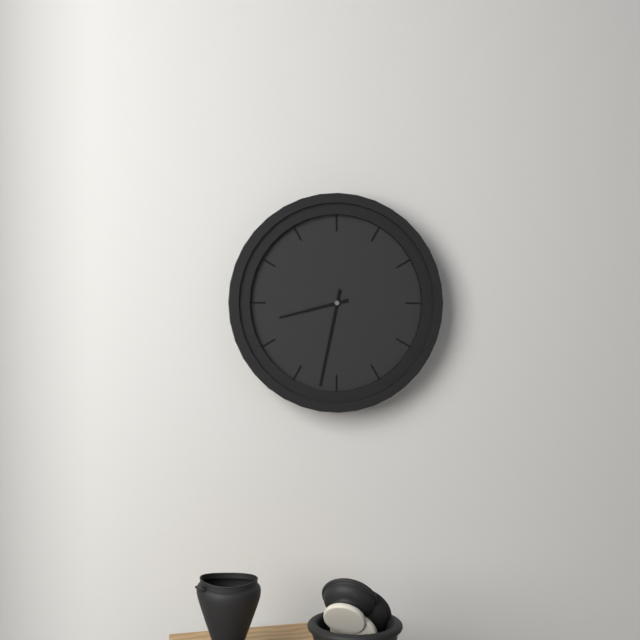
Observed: 8.32
